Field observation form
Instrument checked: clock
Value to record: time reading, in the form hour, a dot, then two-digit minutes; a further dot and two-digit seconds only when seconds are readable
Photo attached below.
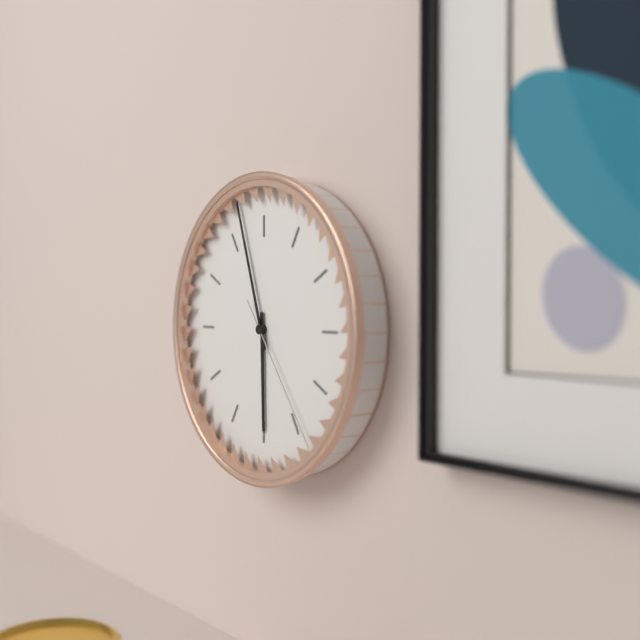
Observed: 5.57.24
